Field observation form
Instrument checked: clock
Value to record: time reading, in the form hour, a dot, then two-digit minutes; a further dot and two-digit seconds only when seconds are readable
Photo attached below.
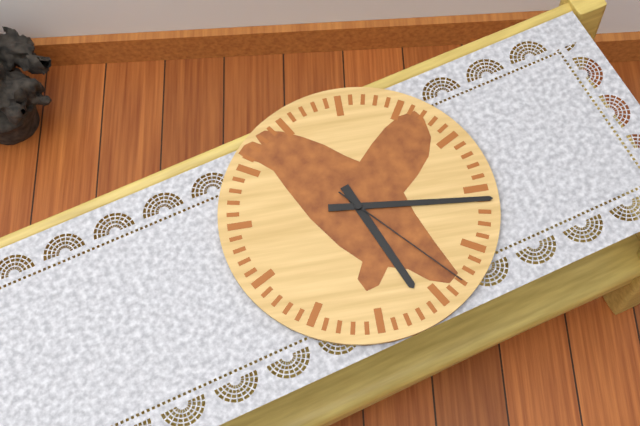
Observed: 5.16.23
